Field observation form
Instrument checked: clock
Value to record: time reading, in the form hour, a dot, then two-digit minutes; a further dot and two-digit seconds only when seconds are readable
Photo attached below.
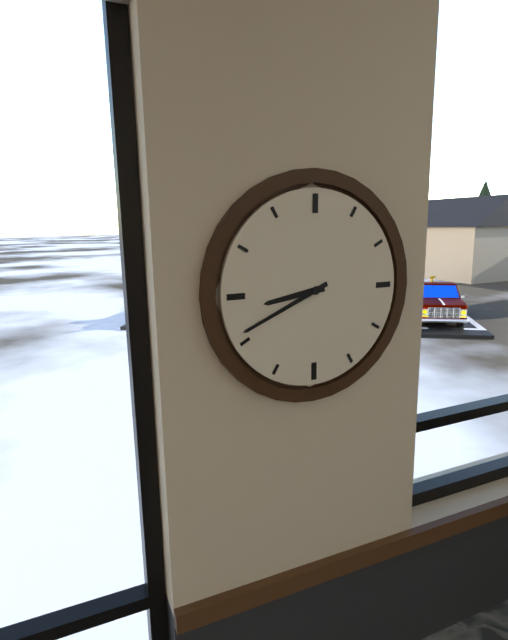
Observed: 8.41
